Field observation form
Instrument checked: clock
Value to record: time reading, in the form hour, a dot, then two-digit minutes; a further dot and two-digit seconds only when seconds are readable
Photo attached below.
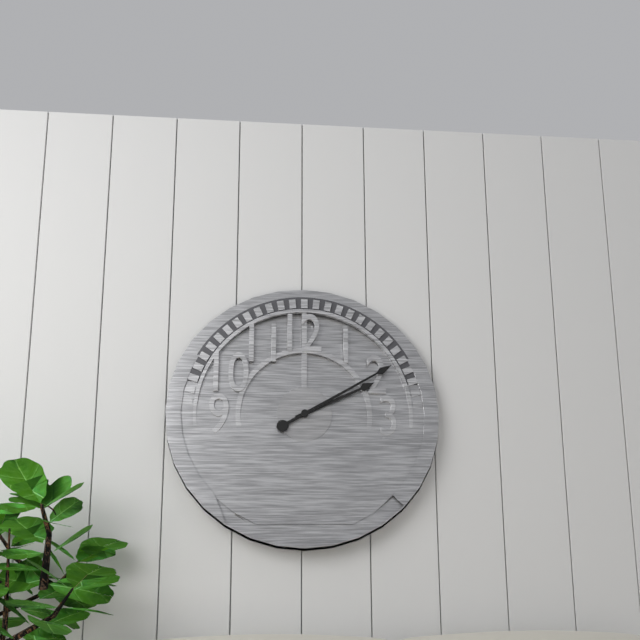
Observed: 2.10
